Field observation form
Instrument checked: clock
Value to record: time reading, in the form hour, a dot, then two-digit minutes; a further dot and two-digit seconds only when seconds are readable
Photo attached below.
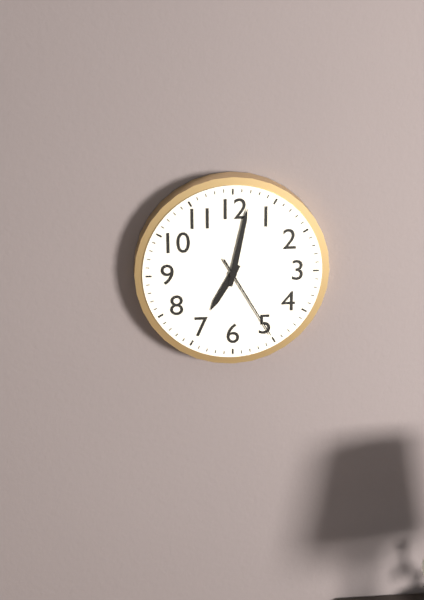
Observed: 7.02.25
